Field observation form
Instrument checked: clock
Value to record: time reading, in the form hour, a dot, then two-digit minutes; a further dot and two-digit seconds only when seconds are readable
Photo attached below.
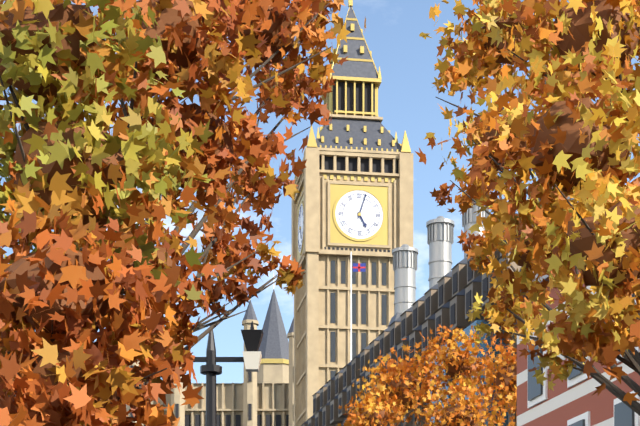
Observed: 5.03
